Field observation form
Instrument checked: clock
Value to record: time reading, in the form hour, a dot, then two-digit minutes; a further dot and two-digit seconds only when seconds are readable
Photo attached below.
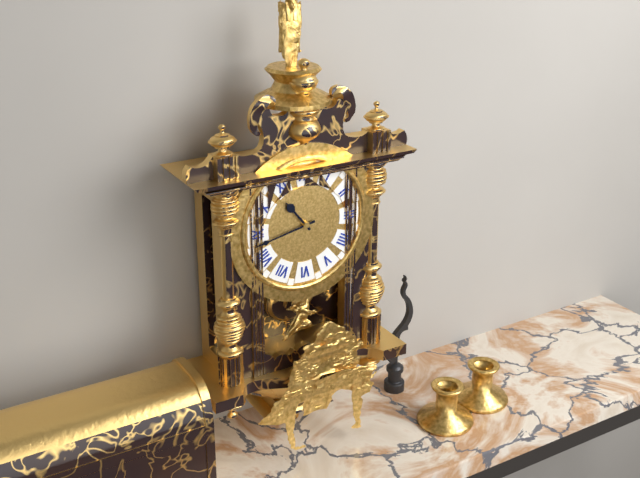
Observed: 10.43
